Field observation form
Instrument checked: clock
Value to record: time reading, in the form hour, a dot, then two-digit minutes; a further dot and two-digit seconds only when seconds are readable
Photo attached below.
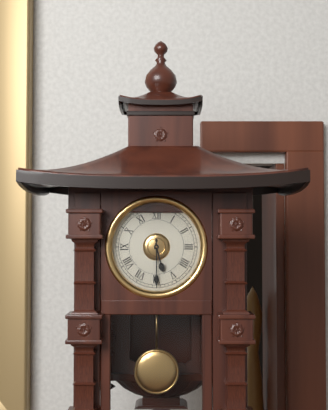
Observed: 5.30
